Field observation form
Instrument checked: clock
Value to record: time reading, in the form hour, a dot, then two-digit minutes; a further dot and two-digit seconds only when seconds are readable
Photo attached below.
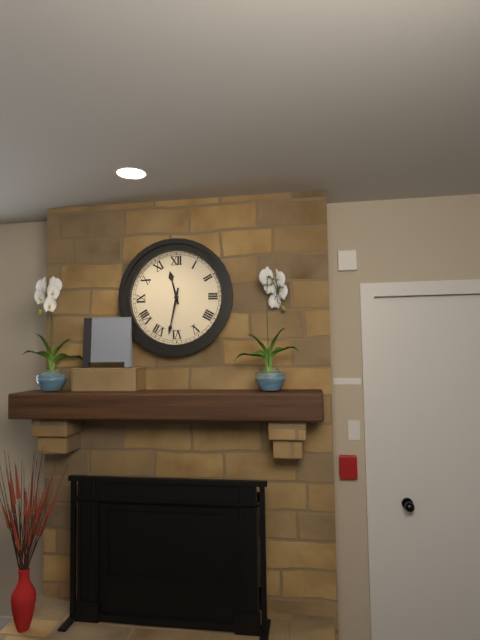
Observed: 11.32
